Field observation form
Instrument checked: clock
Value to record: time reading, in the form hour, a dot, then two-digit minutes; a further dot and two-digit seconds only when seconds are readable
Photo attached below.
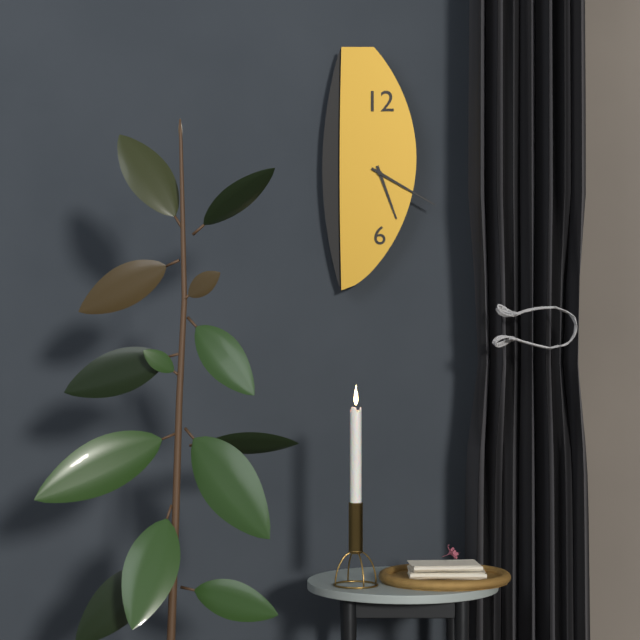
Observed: 5.20
